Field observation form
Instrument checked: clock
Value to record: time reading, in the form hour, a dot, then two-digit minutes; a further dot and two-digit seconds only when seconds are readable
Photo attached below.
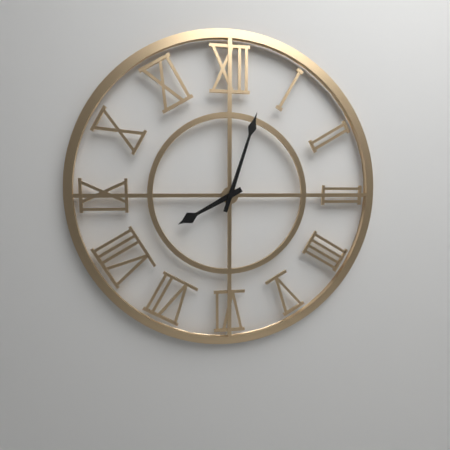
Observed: 8.03
